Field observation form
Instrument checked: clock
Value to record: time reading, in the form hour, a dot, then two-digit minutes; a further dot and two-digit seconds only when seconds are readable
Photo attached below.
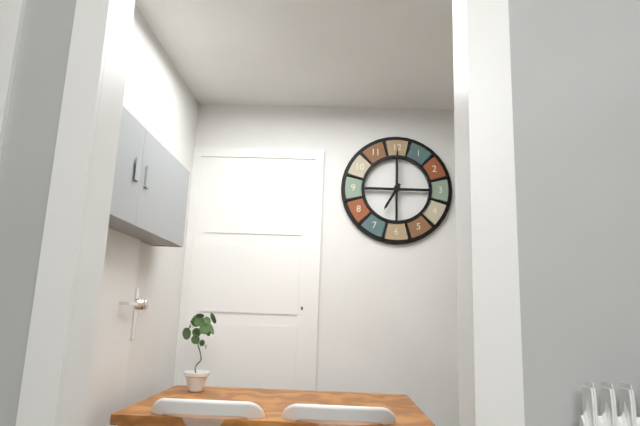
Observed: 7.00
